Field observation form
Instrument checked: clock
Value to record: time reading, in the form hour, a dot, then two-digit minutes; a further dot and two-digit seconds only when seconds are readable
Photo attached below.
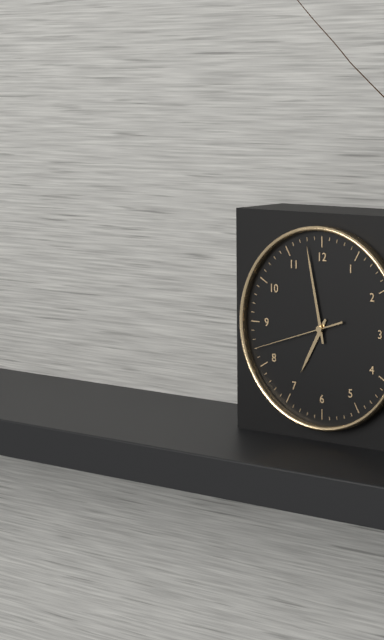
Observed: 6.58.42
